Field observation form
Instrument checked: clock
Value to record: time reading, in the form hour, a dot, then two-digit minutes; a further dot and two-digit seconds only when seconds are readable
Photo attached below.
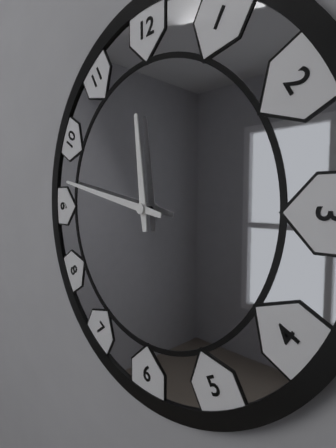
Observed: 11.47
